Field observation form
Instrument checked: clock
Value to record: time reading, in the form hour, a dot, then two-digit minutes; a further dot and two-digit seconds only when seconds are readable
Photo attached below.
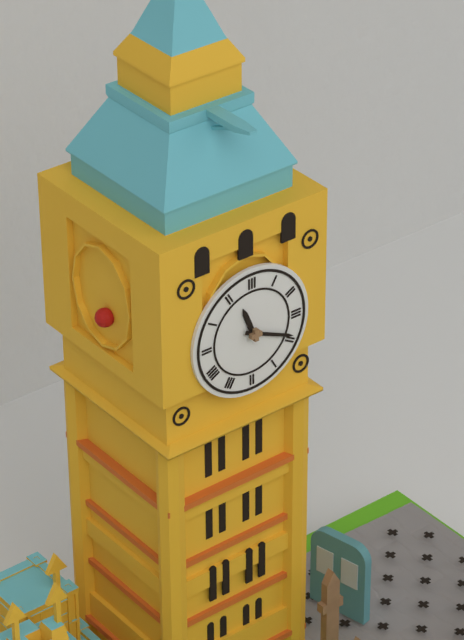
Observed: 11.19
